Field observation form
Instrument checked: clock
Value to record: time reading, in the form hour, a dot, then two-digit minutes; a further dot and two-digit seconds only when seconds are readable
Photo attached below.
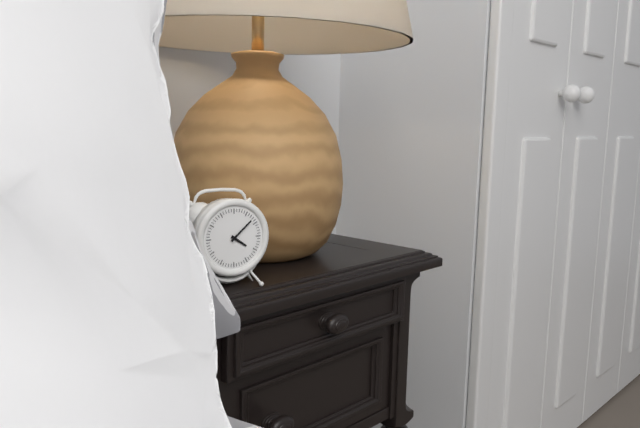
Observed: 4.08
